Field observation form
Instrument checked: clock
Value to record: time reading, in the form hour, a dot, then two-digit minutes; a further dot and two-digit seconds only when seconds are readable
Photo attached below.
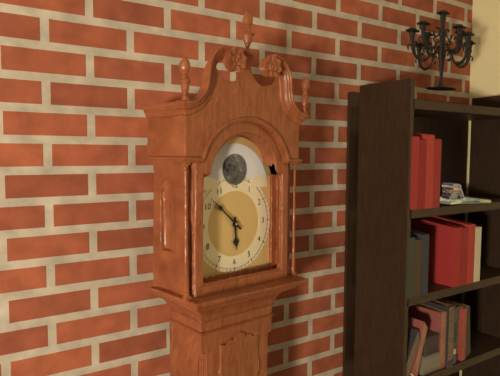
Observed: 5.52
